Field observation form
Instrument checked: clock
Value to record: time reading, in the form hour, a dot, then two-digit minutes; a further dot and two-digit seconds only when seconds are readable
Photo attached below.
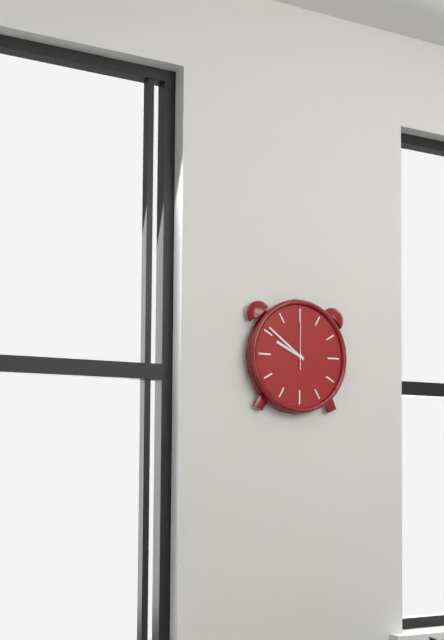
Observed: 9.51.00
